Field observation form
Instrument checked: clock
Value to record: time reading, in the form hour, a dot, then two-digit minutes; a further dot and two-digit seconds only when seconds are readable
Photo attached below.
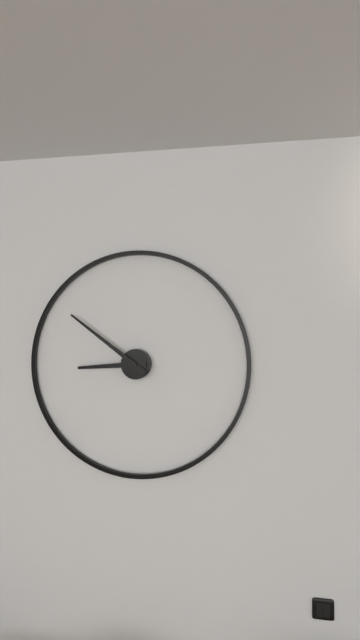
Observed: 8.51
